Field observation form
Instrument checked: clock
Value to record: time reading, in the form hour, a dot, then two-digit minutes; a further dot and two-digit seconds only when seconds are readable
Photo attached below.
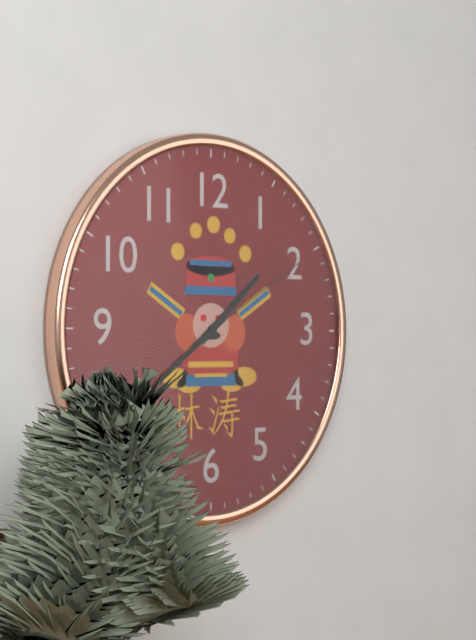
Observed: 1.39.10
